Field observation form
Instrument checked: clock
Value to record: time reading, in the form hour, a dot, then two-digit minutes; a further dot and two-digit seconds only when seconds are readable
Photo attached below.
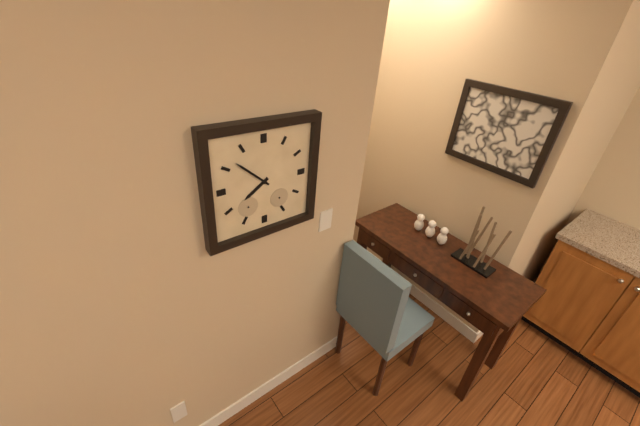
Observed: 7.52
